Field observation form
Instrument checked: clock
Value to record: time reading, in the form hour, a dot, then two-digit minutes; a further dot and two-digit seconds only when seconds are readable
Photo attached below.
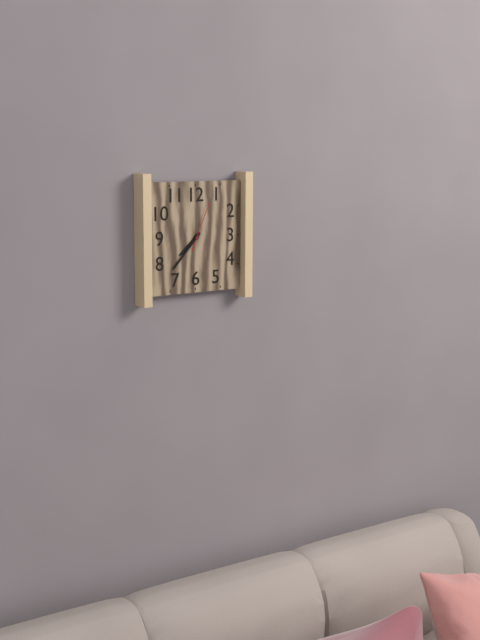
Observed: 7.37
